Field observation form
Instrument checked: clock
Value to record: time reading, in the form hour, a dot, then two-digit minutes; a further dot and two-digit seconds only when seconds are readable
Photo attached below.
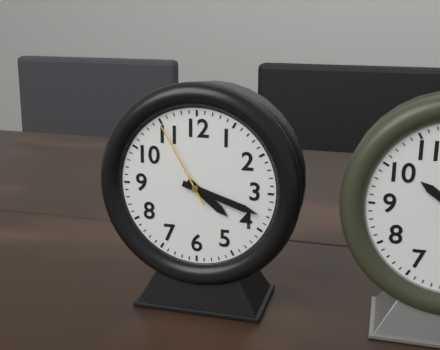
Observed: 4.18.55
